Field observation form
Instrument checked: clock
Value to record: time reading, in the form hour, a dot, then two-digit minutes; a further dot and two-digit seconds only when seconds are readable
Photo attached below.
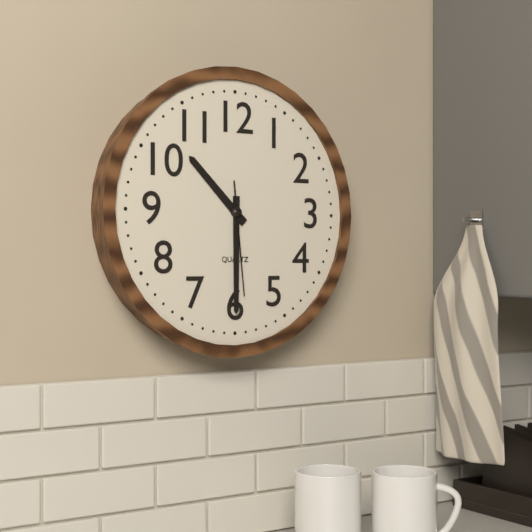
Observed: 10.30.29
